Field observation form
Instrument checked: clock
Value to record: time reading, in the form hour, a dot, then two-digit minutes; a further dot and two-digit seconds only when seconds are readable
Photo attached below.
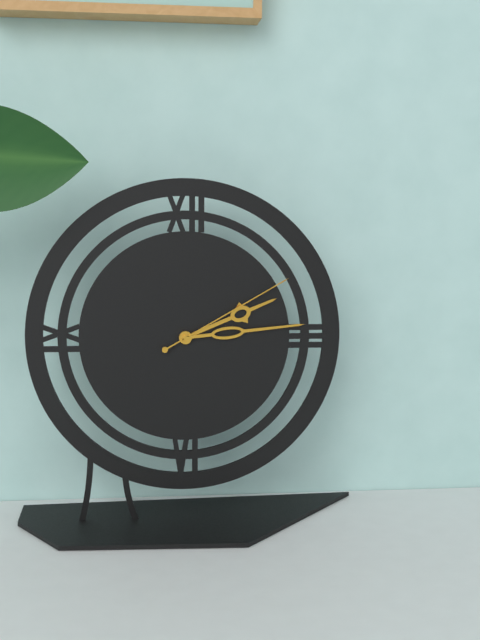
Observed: 2.14.10
